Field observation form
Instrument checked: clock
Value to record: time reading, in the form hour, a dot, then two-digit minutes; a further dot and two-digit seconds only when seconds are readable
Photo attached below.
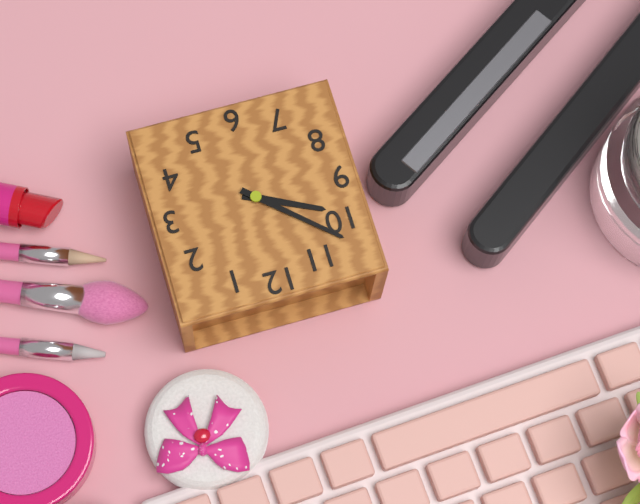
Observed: 9.52
